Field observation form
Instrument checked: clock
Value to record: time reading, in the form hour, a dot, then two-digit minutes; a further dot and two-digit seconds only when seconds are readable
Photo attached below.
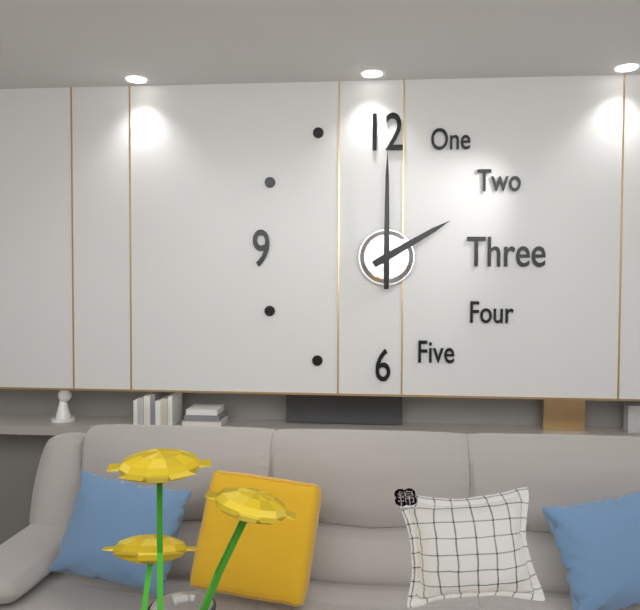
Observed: 2.00
